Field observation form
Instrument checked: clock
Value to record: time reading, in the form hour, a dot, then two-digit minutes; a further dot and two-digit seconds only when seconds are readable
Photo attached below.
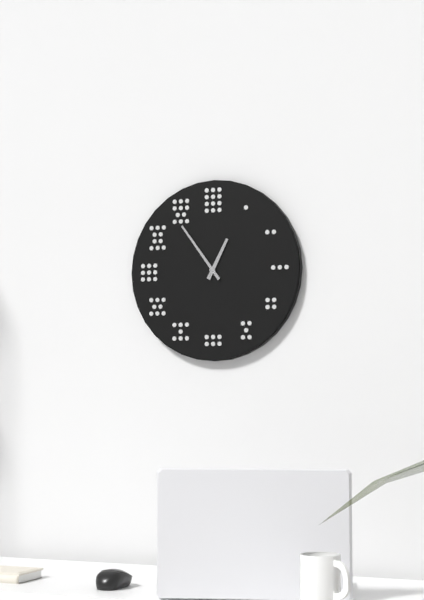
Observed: 12.54
